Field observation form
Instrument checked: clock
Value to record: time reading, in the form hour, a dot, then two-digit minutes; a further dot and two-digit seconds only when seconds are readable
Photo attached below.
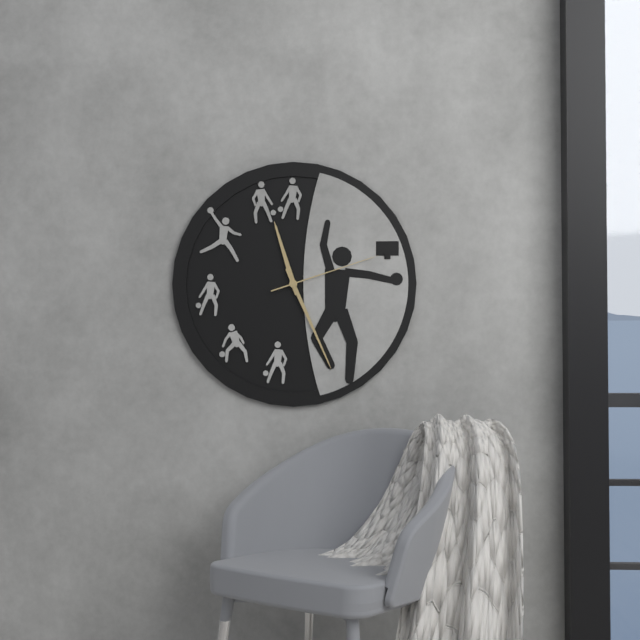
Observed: 11.26.12
